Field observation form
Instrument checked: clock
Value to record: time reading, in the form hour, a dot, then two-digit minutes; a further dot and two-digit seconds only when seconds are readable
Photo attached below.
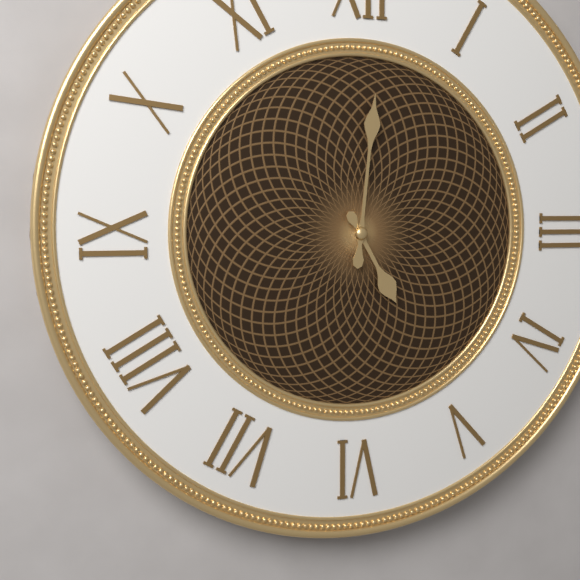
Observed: 5.01
